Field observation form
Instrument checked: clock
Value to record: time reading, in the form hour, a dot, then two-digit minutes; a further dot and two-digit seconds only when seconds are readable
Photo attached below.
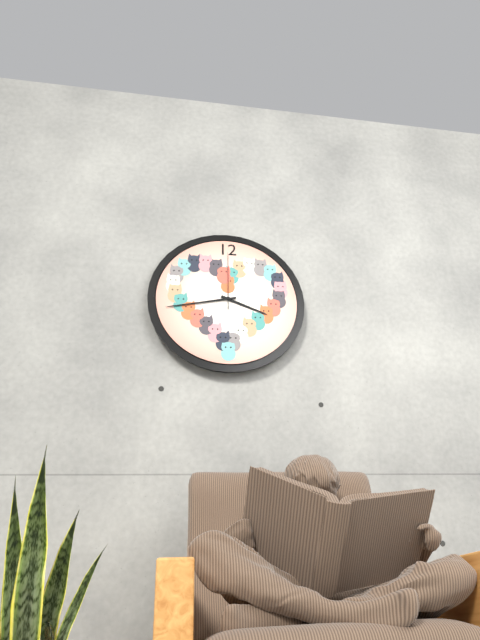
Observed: 3.43.00
